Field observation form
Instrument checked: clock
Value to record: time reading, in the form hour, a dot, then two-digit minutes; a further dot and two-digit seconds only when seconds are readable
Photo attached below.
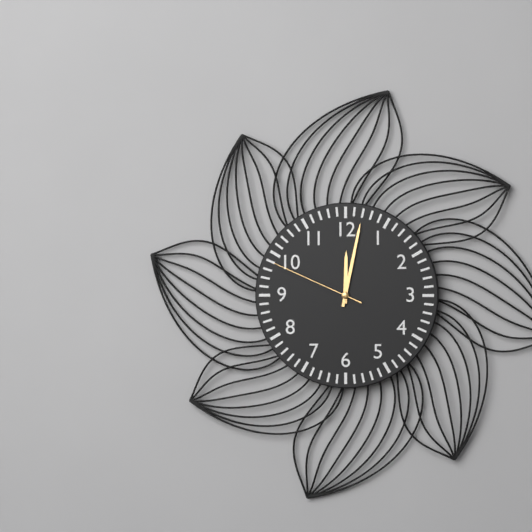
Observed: 12.02.49
